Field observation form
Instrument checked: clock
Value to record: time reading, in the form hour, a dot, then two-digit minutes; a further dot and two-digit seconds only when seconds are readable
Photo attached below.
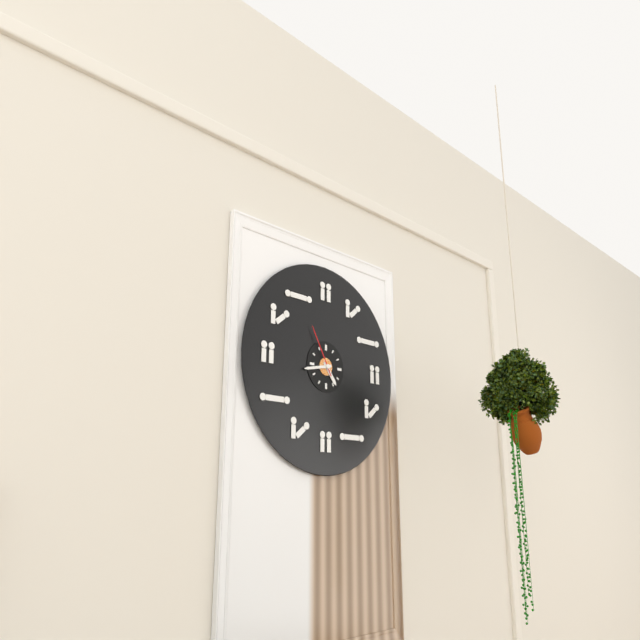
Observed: 4.43.55
